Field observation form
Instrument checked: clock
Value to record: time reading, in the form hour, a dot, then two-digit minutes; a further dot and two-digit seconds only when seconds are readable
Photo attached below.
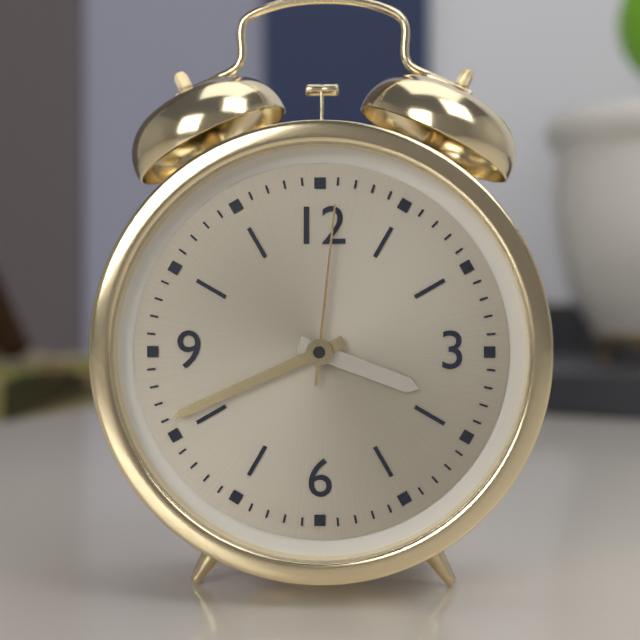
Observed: 3.41.01
